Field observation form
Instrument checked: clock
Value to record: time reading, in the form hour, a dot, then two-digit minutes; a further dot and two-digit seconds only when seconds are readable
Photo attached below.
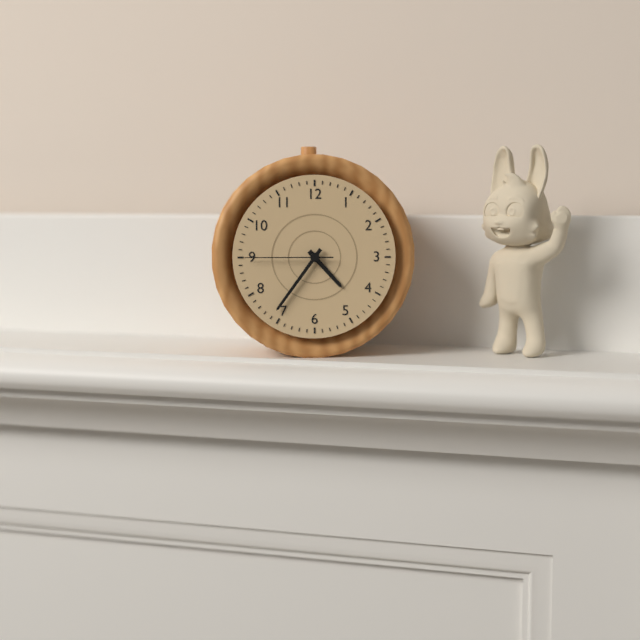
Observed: 4.36.45
